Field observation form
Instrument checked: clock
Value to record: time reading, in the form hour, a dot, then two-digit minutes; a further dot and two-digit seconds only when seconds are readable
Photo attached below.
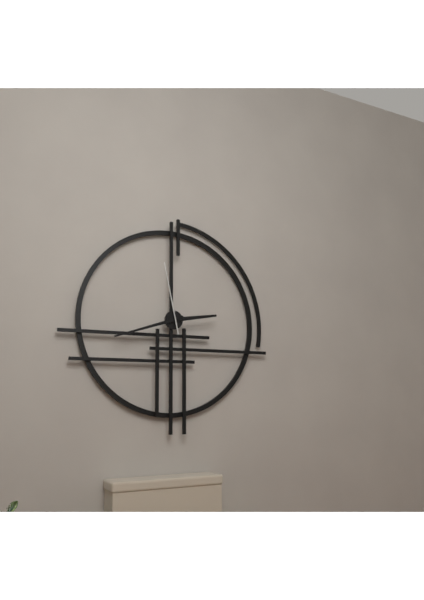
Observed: 2.42.58
